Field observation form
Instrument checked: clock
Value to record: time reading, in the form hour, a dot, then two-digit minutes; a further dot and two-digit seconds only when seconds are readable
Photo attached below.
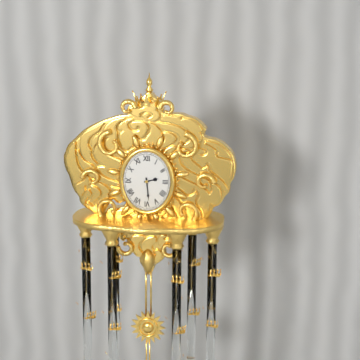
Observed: 2.29
